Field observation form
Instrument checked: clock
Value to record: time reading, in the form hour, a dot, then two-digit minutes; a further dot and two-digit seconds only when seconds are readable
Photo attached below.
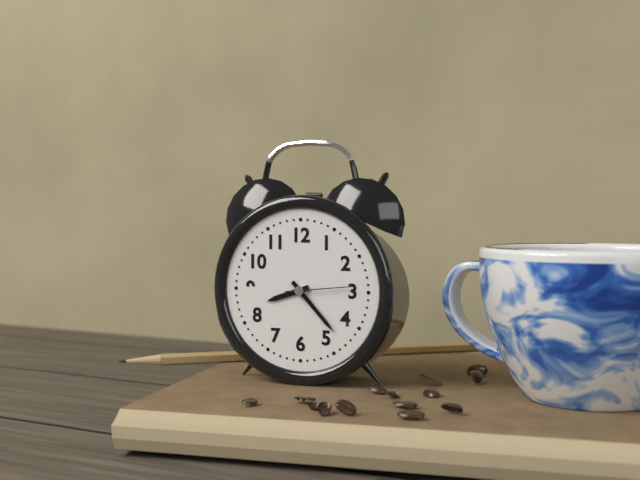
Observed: 8.23.14
